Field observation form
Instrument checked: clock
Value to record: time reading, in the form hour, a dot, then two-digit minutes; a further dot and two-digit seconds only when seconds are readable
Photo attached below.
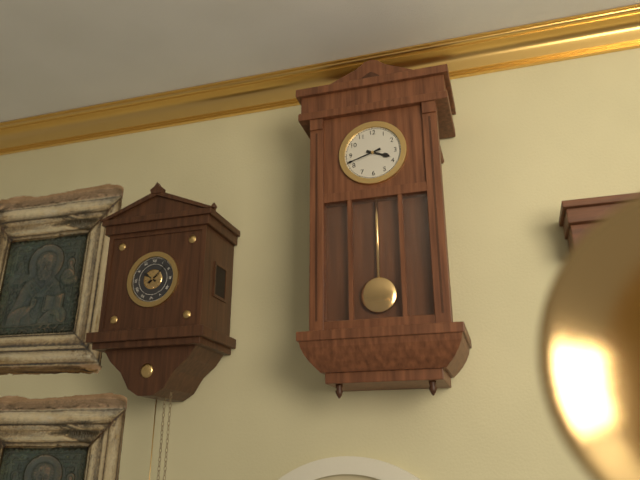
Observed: 3.42
